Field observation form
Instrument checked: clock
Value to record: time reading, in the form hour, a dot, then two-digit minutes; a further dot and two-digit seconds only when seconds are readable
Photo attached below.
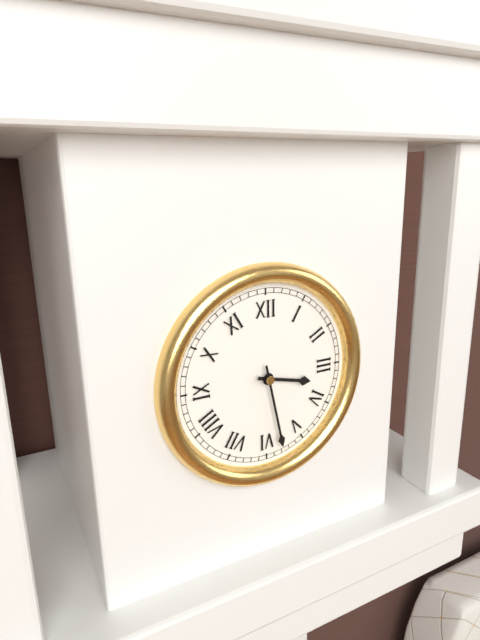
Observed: 3.28
